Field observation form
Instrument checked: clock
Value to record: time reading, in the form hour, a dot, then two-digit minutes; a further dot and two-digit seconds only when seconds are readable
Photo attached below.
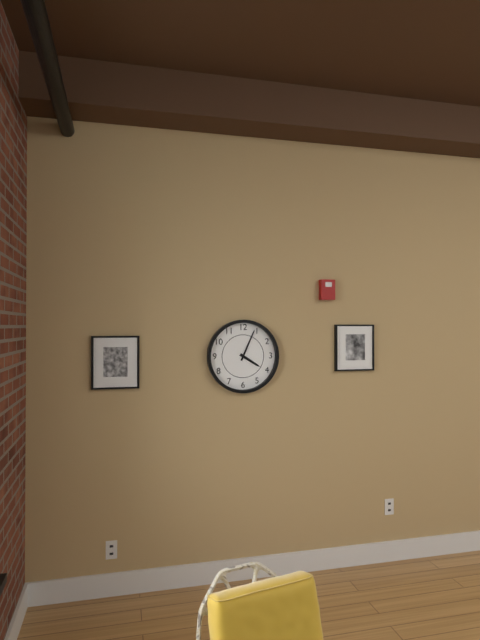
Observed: 4.04
